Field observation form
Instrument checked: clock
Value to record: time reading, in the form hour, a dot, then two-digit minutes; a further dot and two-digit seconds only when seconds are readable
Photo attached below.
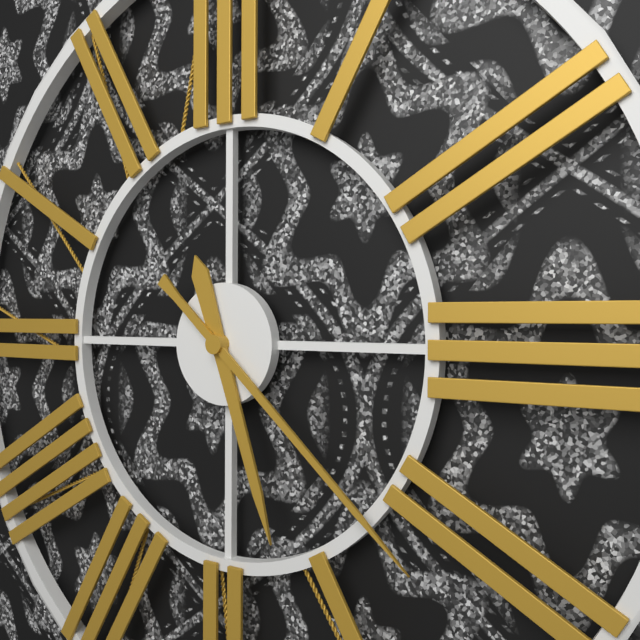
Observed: 5.22
